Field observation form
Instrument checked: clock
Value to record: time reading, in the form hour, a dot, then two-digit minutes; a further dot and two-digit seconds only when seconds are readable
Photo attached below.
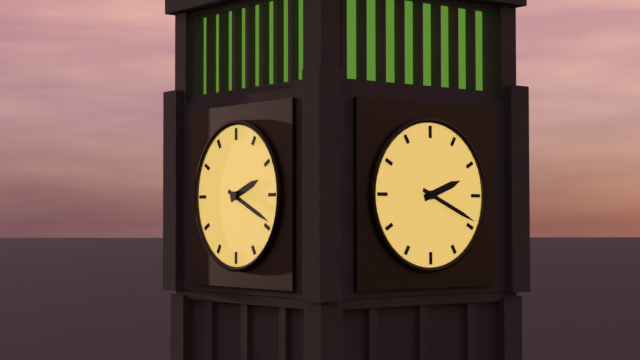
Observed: 2.19
